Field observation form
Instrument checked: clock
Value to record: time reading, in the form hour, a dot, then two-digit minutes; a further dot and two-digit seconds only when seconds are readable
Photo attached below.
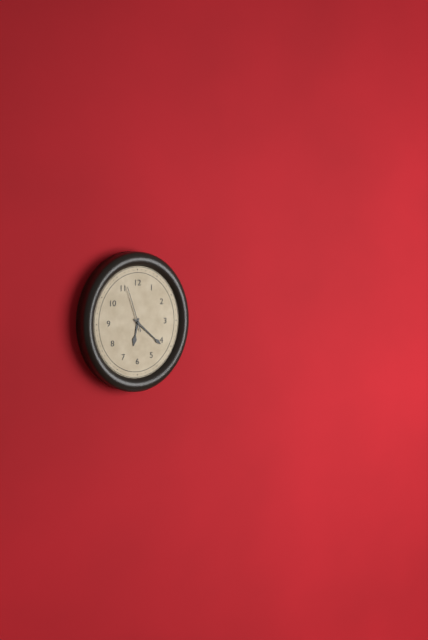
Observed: 6.22
